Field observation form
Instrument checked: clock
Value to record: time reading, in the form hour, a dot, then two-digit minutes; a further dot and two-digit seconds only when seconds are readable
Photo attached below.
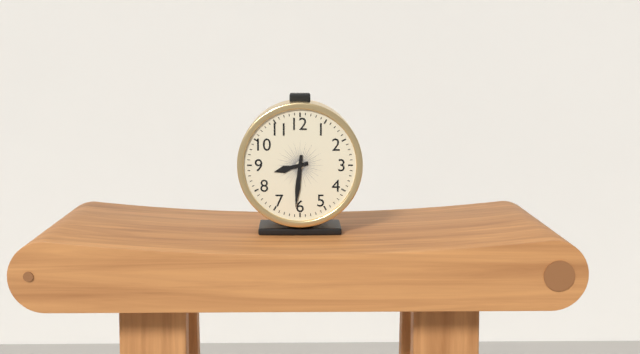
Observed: 8.31
